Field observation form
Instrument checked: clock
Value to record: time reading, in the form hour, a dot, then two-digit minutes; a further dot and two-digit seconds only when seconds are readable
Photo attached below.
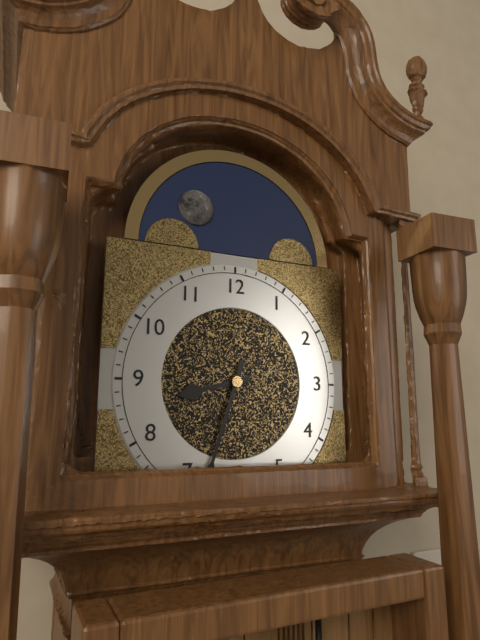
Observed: 8.33
